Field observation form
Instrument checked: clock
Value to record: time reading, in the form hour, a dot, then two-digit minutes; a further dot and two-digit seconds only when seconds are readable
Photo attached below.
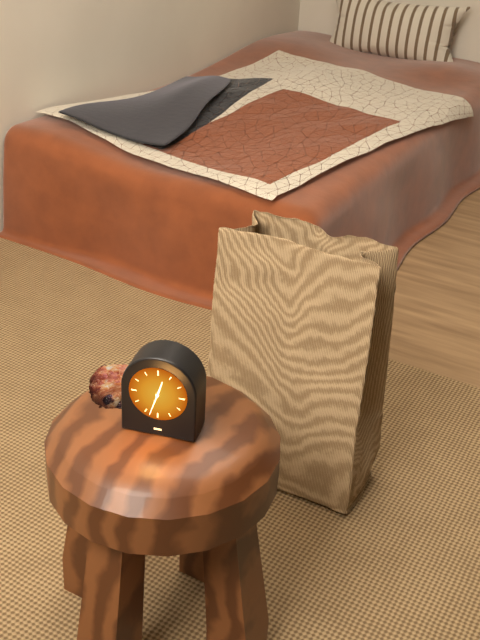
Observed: 12.33
